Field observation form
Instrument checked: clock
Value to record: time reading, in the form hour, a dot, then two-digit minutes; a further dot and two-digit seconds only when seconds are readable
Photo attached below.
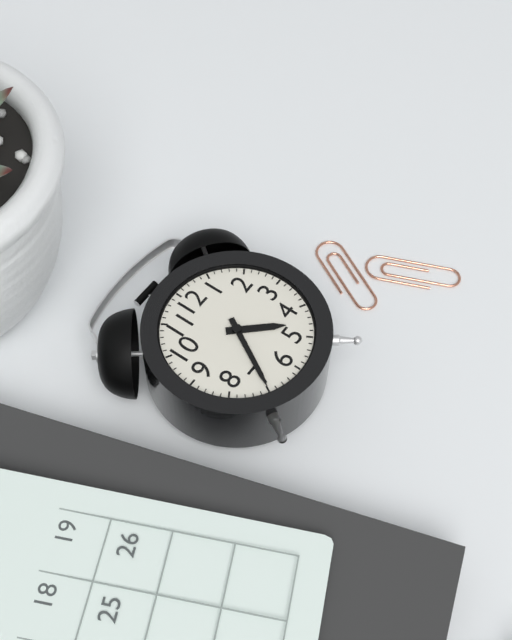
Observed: 4.35
